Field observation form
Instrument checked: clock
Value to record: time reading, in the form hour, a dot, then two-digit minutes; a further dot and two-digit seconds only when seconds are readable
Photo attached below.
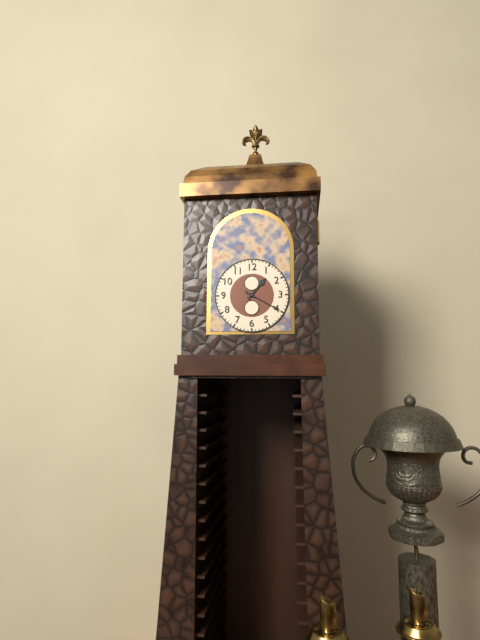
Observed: 1.20
